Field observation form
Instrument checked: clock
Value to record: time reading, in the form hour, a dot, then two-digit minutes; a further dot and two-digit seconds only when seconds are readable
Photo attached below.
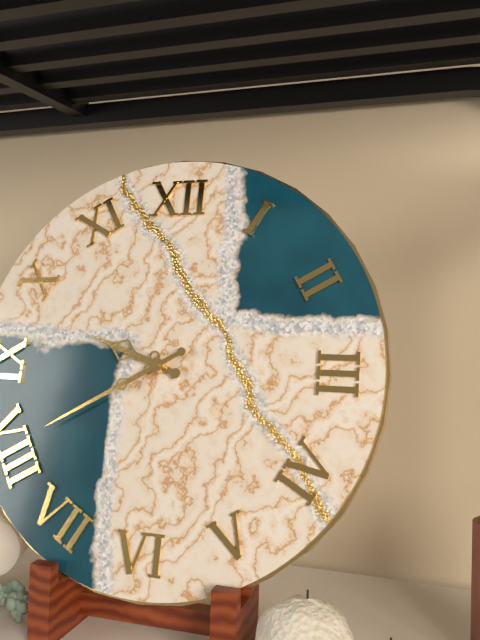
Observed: 9.40
